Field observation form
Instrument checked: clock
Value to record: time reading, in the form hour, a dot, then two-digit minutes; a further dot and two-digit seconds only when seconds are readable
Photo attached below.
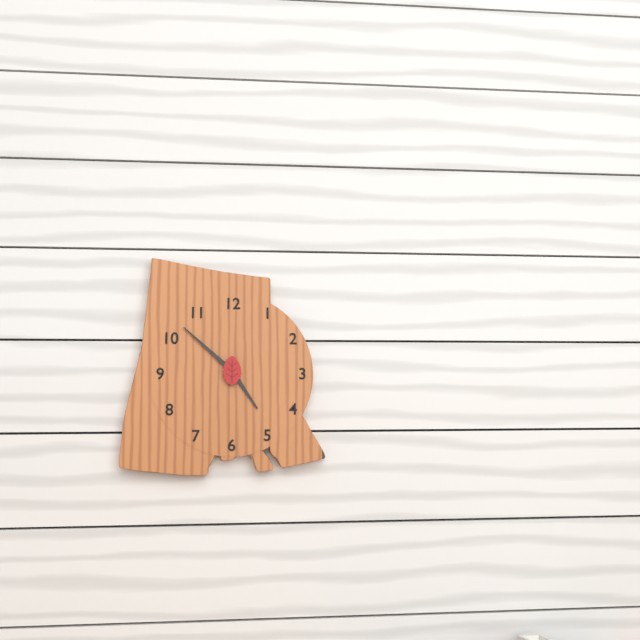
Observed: 4.52
